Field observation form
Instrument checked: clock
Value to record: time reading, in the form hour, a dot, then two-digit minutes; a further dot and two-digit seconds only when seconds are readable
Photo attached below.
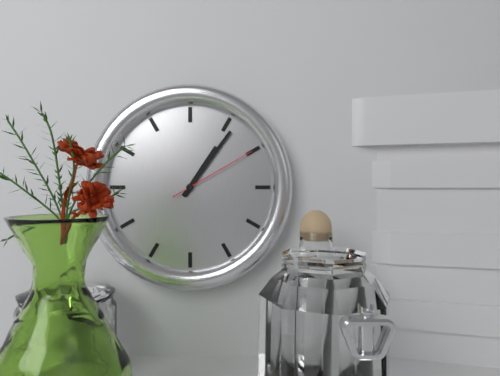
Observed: 1.06.10
